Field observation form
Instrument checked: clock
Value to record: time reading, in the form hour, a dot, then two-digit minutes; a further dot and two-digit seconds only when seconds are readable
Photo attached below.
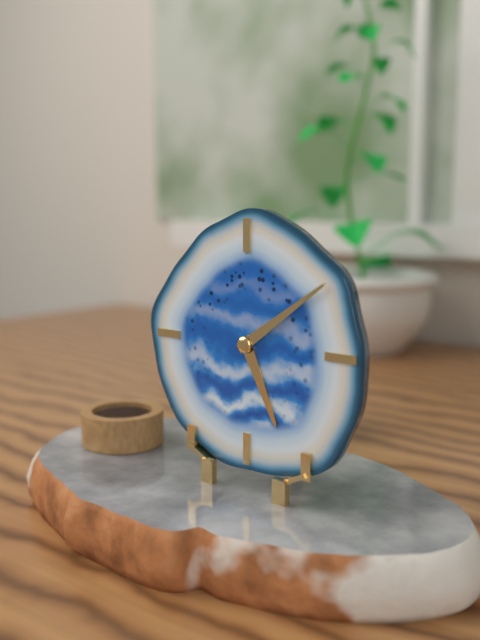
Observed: 5.09
